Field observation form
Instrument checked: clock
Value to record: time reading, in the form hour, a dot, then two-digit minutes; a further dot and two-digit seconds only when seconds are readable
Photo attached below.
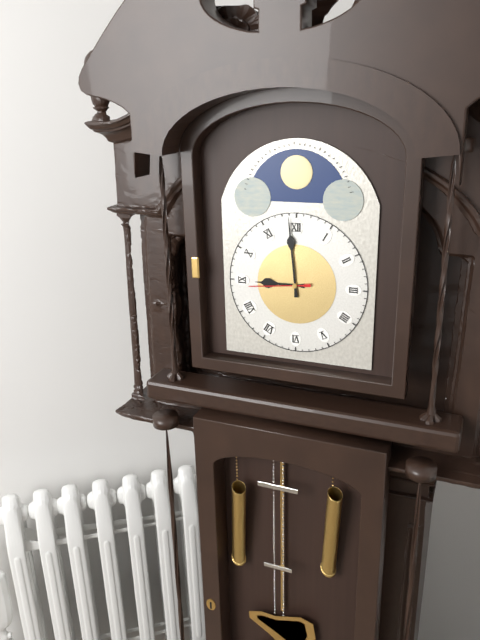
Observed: 8.59.44
